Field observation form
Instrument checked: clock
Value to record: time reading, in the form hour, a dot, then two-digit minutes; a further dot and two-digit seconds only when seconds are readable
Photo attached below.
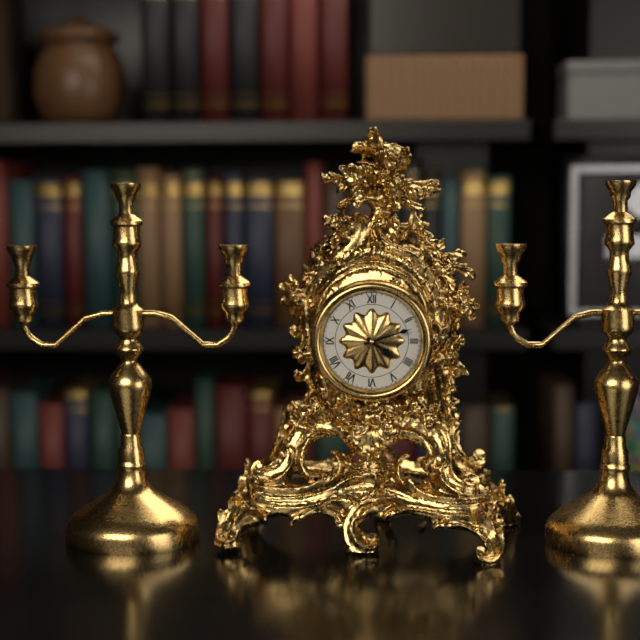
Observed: 4.12
